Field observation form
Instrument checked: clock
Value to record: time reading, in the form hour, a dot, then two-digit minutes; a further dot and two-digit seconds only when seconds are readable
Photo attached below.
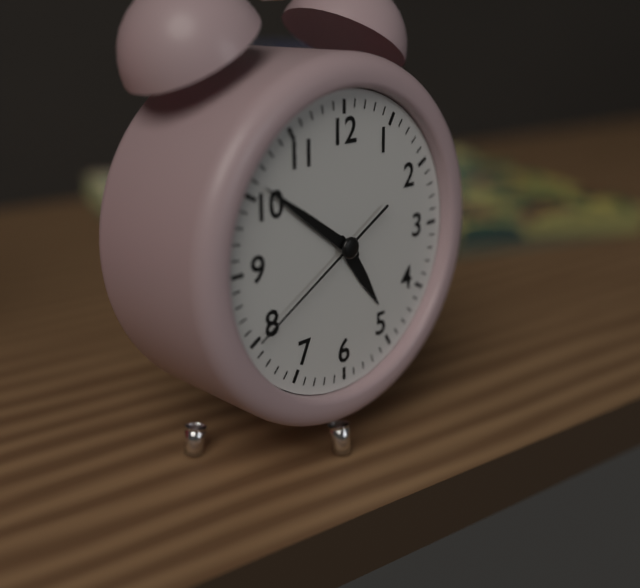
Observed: 4.51.40
